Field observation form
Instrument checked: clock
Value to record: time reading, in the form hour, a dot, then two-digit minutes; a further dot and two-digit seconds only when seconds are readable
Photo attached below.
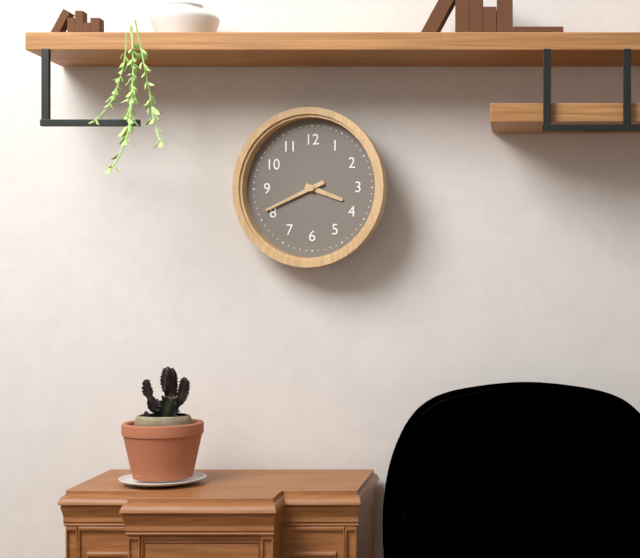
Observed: 3.41
